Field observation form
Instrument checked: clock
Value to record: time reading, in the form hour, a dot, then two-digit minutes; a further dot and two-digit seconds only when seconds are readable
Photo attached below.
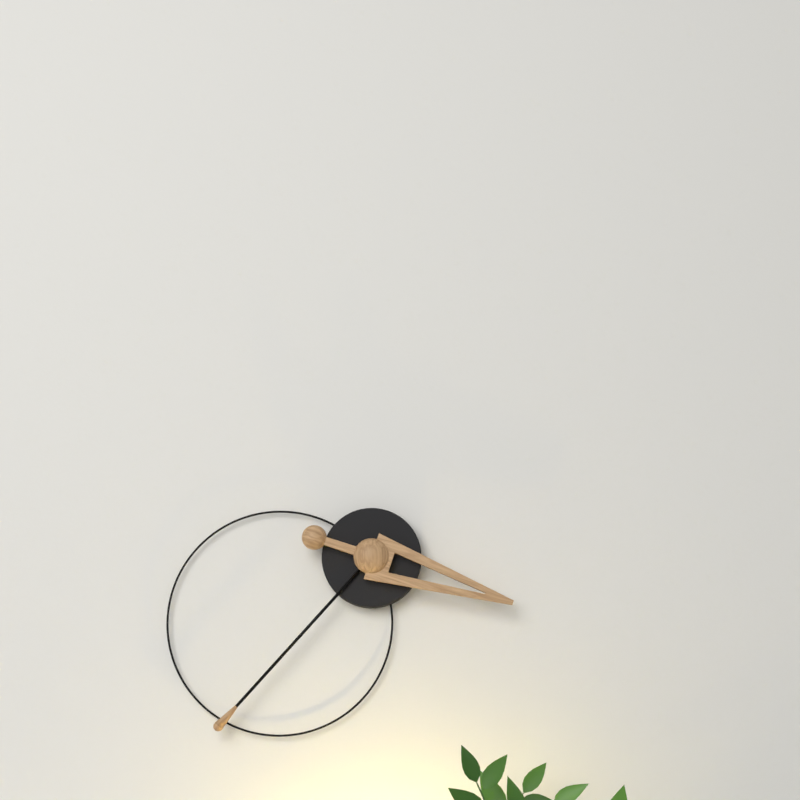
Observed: 3.37
